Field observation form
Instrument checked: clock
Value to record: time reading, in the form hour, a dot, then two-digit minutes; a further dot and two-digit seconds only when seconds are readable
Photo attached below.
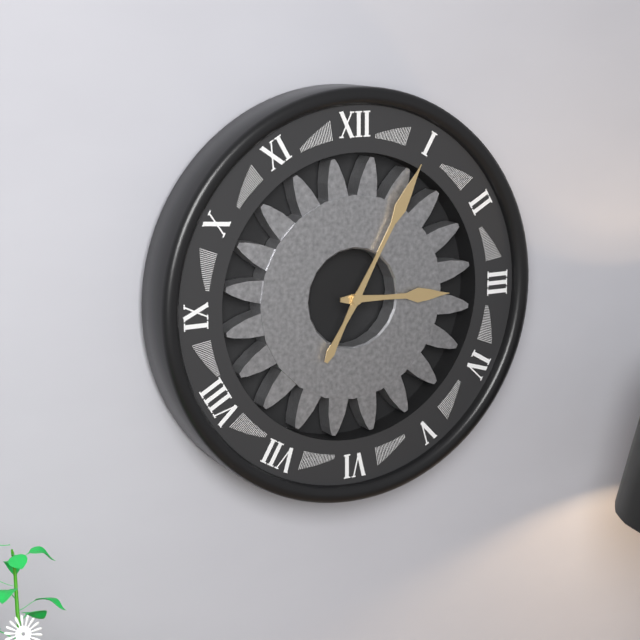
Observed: 3.05
